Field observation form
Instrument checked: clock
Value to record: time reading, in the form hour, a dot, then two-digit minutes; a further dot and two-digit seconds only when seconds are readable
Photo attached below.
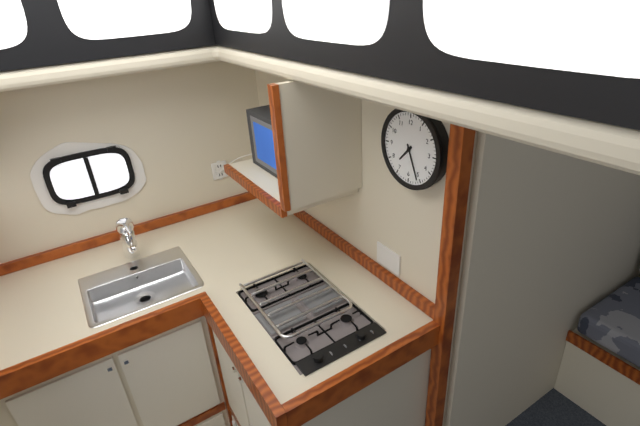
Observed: 7.26
